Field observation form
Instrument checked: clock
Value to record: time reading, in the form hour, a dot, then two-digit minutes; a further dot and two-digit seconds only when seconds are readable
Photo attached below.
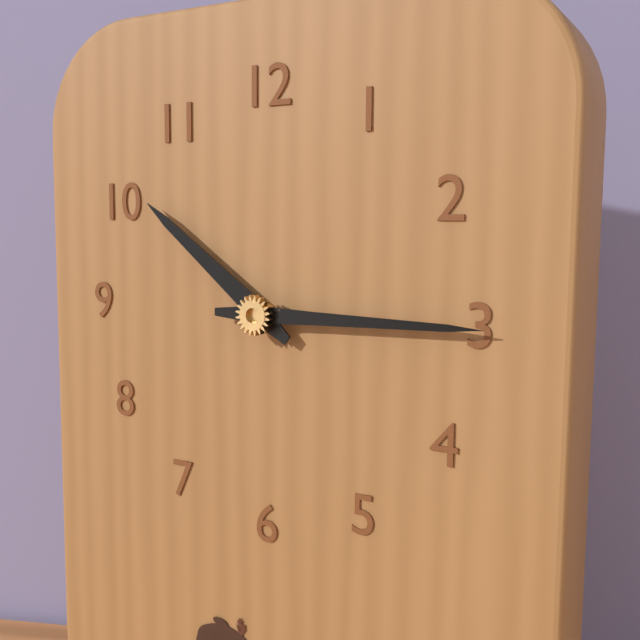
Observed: 10.15
